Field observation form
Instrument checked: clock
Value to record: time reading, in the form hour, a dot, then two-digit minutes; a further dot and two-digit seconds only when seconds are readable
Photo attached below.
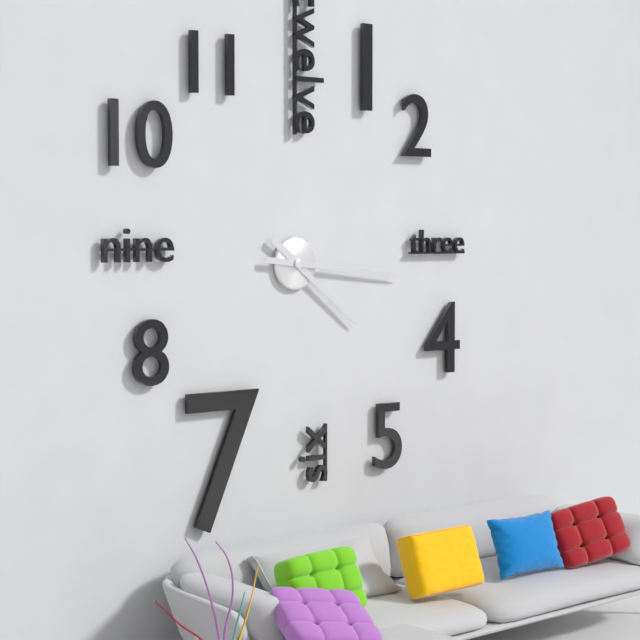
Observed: 4.16
